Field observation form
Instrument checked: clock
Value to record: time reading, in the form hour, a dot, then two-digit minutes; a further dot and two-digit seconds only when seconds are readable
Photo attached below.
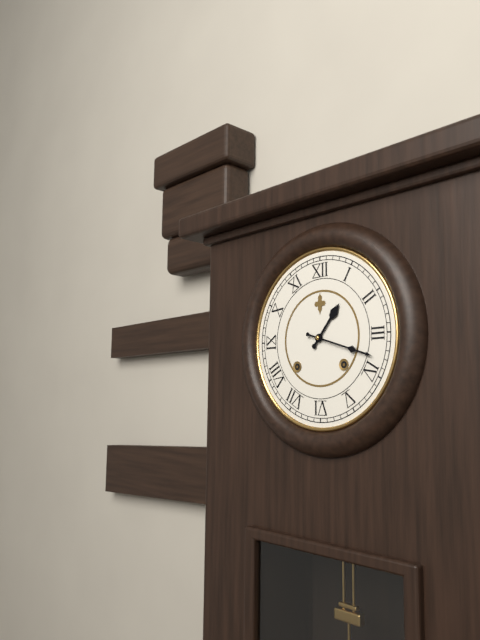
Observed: 1.18
